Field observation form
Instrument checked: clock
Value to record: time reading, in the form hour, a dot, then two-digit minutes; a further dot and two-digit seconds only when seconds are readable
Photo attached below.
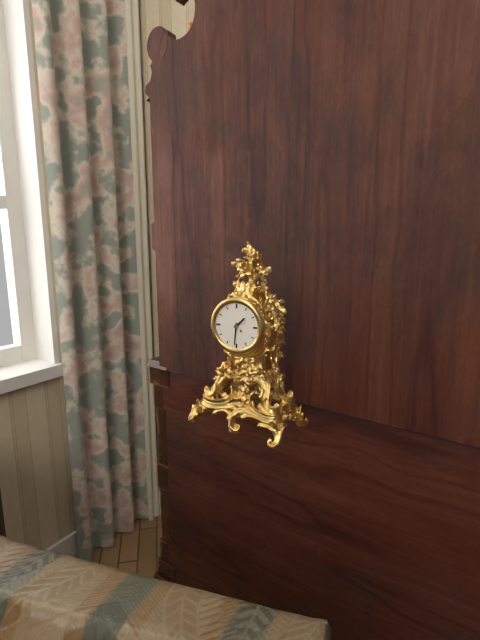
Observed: 1.31
